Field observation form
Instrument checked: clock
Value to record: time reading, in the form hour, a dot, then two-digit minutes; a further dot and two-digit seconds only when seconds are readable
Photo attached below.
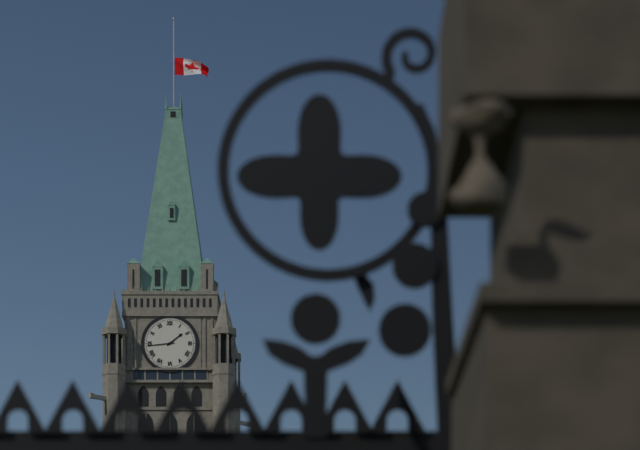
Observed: 1.44
